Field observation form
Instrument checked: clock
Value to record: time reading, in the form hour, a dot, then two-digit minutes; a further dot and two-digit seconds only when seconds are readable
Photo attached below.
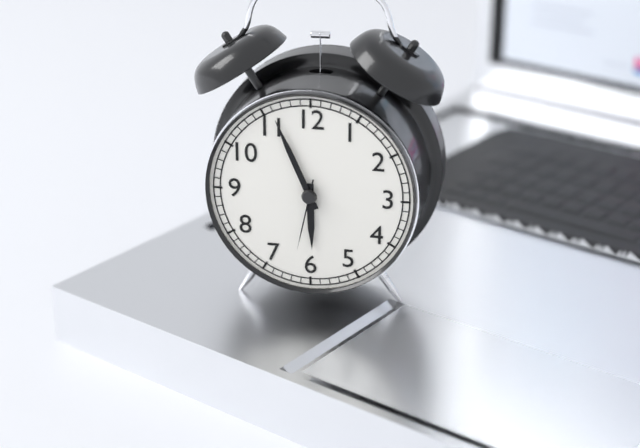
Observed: 5.56.32
